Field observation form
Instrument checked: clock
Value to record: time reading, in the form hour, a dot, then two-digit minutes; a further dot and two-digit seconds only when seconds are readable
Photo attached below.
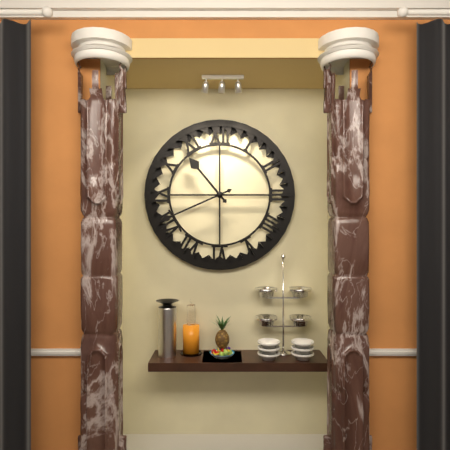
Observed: 10.41
